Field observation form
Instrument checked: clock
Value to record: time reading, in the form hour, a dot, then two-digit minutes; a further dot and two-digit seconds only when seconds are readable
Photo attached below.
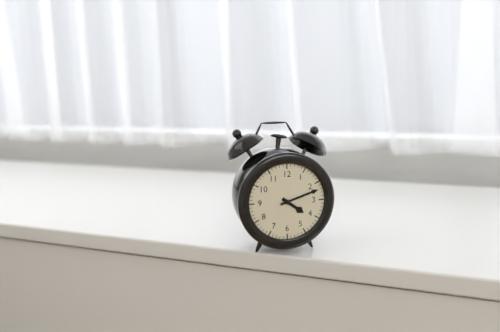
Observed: 4.12
